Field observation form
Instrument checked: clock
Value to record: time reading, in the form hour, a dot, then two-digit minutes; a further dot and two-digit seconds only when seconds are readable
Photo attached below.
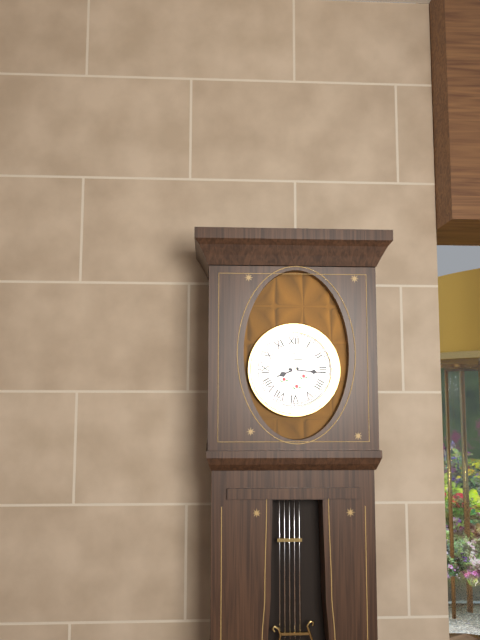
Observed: 8.16
